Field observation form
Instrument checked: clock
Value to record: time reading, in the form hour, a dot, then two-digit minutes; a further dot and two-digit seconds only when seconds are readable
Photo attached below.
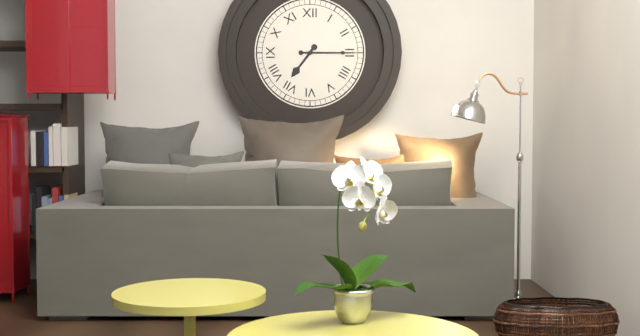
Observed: 7.15
